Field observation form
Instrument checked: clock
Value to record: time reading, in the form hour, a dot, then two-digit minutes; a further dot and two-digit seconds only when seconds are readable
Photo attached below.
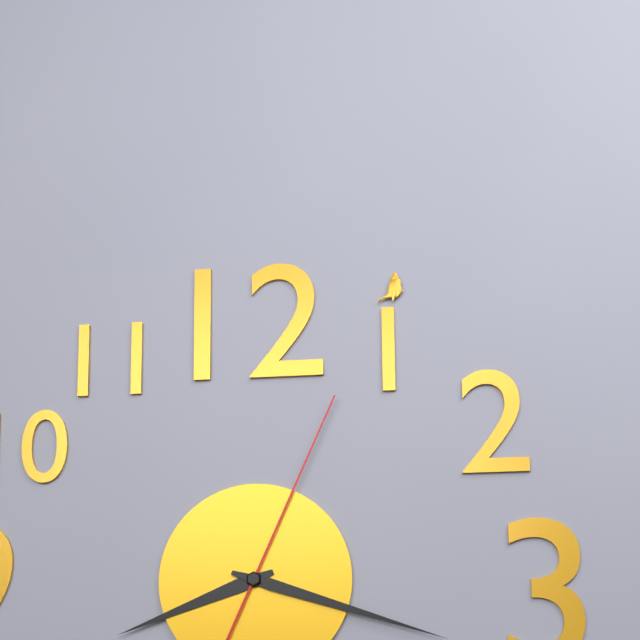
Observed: 8.18.04
